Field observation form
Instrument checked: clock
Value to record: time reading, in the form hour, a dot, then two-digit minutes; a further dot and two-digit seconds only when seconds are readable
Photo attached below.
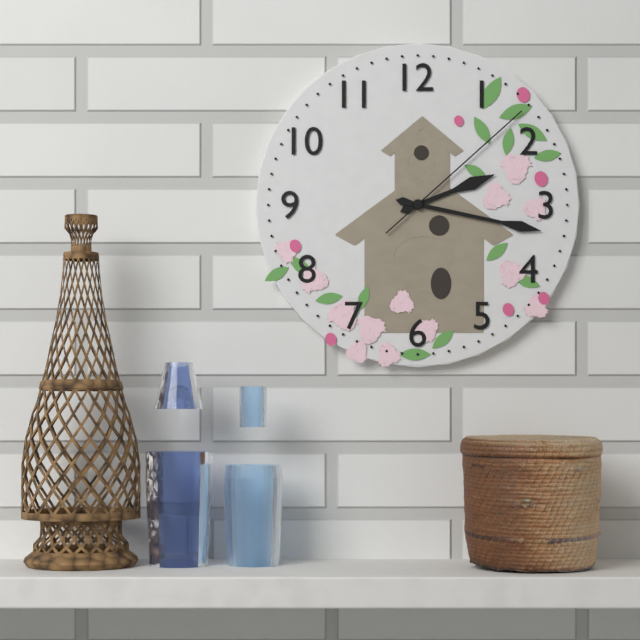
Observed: 2.17.08
